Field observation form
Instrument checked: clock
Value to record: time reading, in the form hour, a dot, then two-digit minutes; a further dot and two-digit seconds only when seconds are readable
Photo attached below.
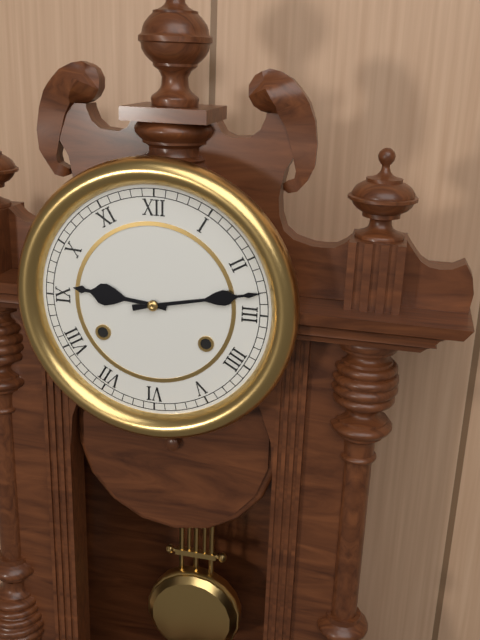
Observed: 9.13
